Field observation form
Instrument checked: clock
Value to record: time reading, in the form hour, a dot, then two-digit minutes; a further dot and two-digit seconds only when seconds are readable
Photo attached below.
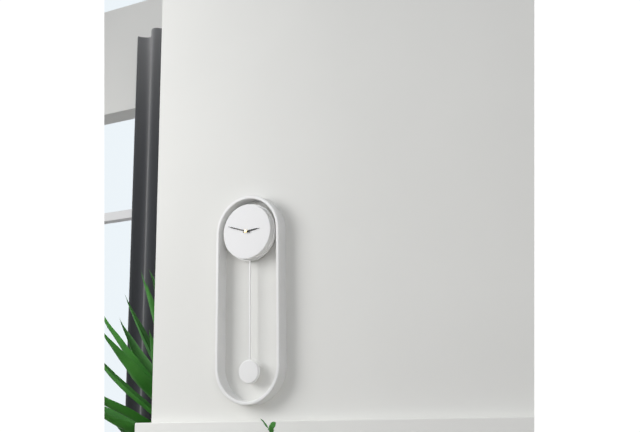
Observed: 2.48
